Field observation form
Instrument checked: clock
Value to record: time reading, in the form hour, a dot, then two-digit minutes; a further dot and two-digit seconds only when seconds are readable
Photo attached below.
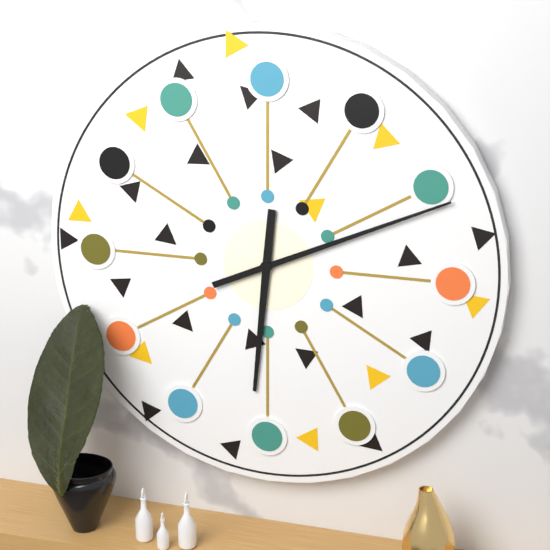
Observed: 6.11
